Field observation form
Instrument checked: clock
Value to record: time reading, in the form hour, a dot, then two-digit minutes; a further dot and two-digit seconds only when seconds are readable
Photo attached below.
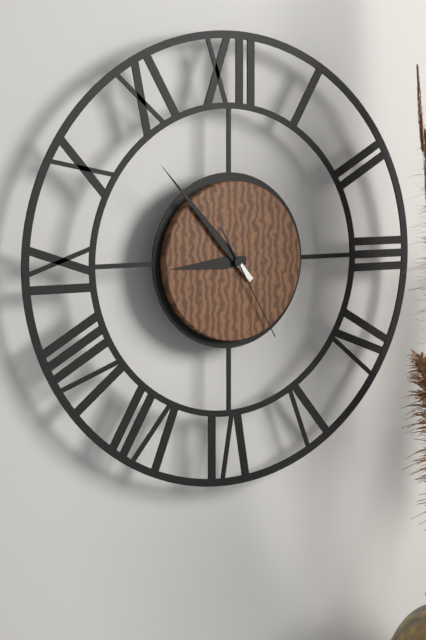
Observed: 8.53.25
